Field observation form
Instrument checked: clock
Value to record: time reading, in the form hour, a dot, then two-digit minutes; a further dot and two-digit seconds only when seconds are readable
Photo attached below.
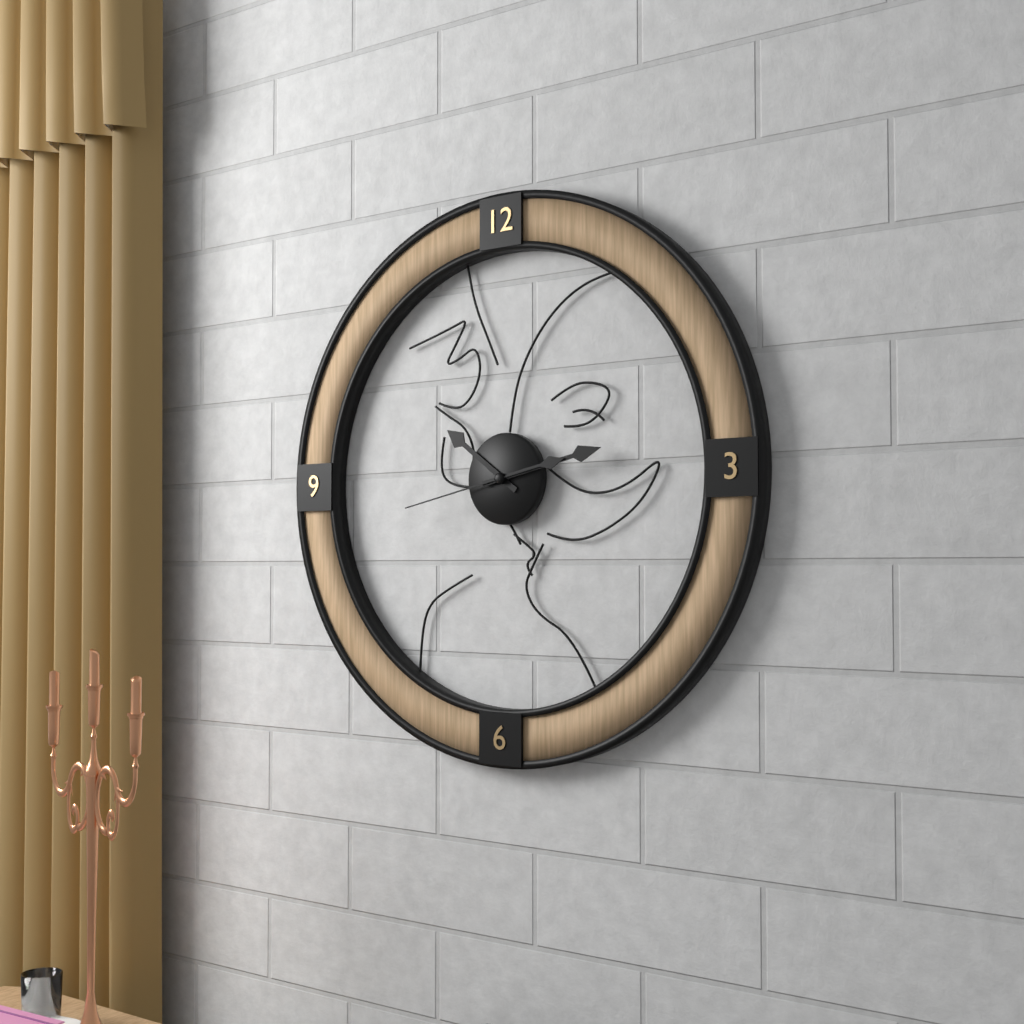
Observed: 10.13.43
